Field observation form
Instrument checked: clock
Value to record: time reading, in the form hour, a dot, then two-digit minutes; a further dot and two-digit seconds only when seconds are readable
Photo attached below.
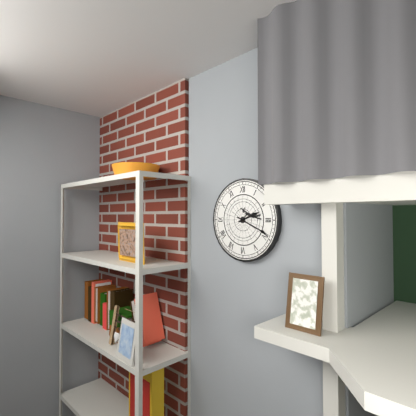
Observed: 2.19
